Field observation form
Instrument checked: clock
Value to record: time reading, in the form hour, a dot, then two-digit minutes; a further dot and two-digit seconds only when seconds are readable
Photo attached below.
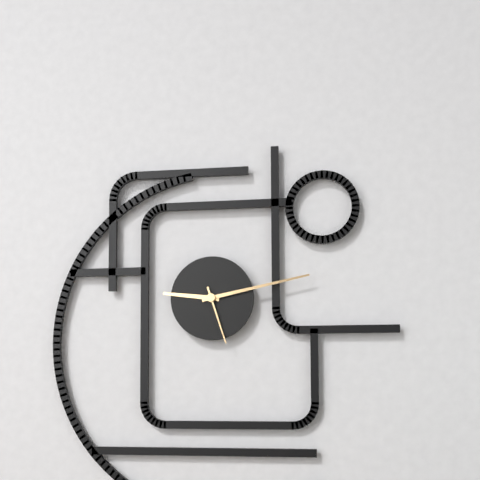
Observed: 9.13.27
